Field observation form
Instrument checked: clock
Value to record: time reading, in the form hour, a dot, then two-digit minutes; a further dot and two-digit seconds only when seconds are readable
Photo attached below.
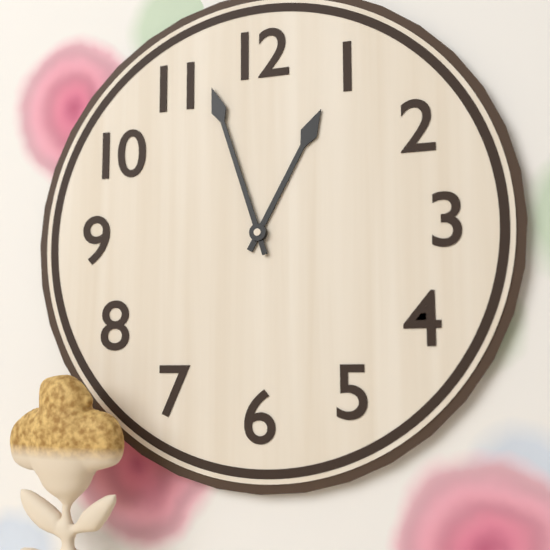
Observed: 12.57
